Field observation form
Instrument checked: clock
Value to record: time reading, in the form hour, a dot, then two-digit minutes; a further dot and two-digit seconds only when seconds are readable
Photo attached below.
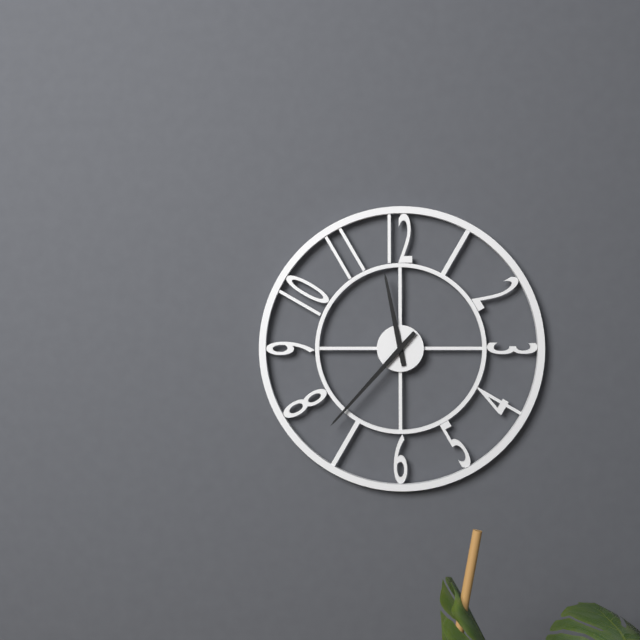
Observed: 11.37
